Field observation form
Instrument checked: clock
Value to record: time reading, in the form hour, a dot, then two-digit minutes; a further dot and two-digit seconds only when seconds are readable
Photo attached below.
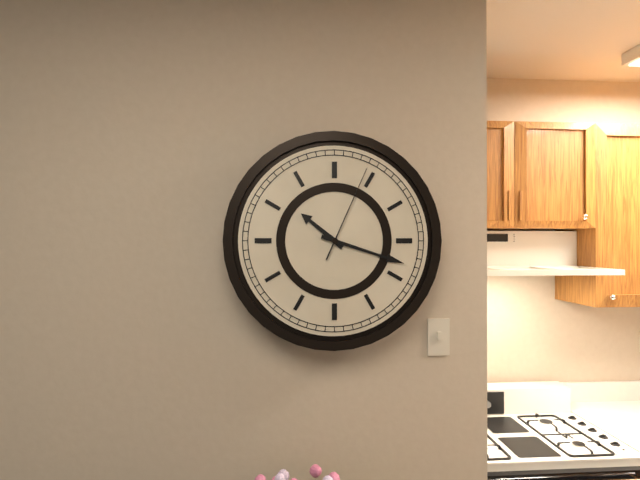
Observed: 10.18.04
